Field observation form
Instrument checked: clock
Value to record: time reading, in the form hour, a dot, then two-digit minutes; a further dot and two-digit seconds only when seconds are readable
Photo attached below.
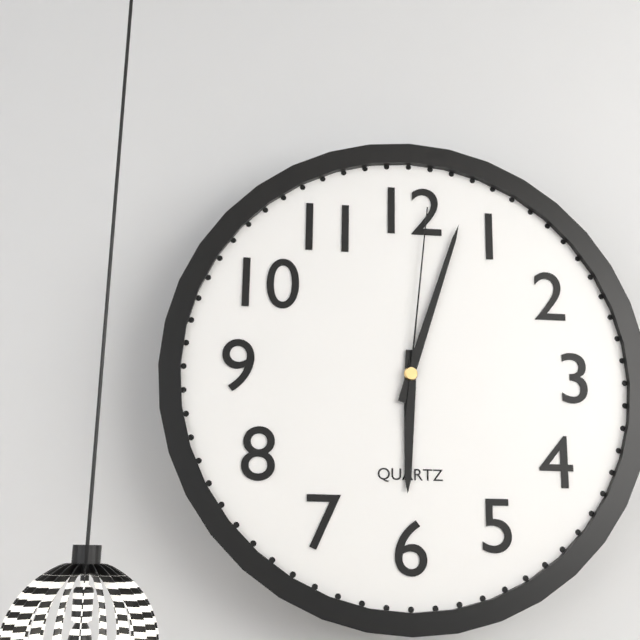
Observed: 6.03.01
